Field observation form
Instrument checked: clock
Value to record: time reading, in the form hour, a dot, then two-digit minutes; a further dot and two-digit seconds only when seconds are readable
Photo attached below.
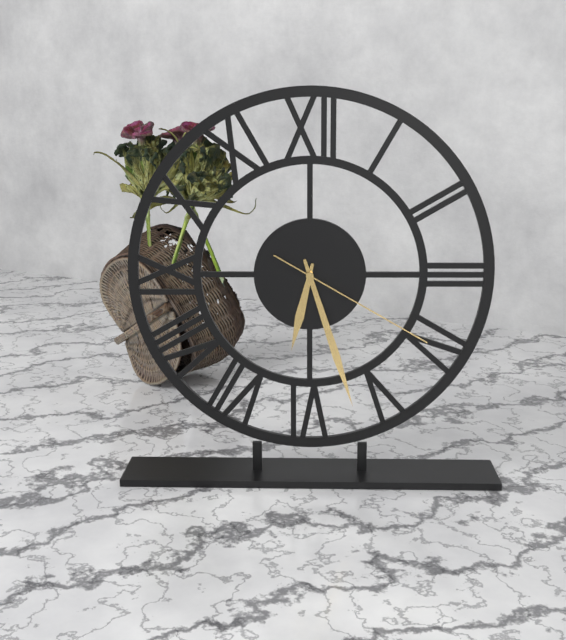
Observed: 6.27.20
